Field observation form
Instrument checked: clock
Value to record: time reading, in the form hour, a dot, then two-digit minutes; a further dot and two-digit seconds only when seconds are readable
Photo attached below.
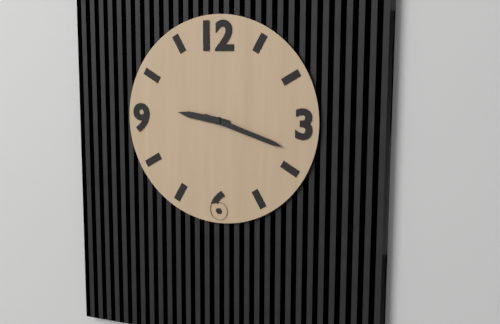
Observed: 9.18
